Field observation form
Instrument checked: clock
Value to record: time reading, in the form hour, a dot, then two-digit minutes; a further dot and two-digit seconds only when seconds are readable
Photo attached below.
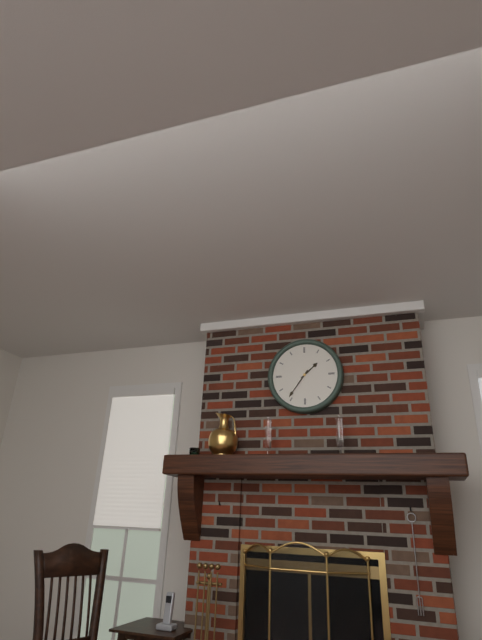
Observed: 1.36
